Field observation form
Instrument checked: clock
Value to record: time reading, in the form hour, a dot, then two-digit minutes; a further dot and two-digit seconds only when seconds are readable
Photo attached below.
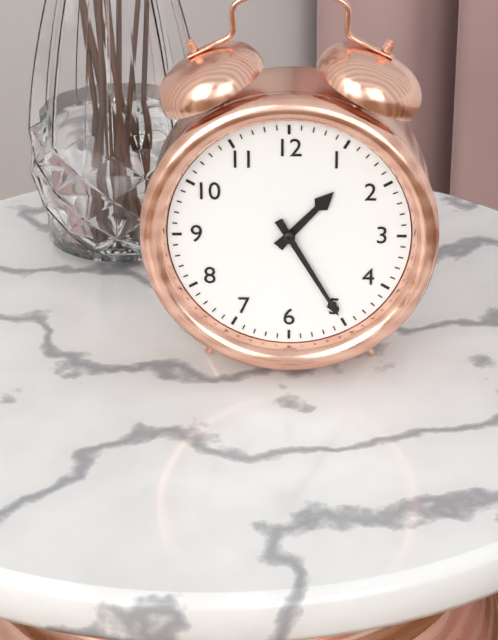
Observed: 1.25
